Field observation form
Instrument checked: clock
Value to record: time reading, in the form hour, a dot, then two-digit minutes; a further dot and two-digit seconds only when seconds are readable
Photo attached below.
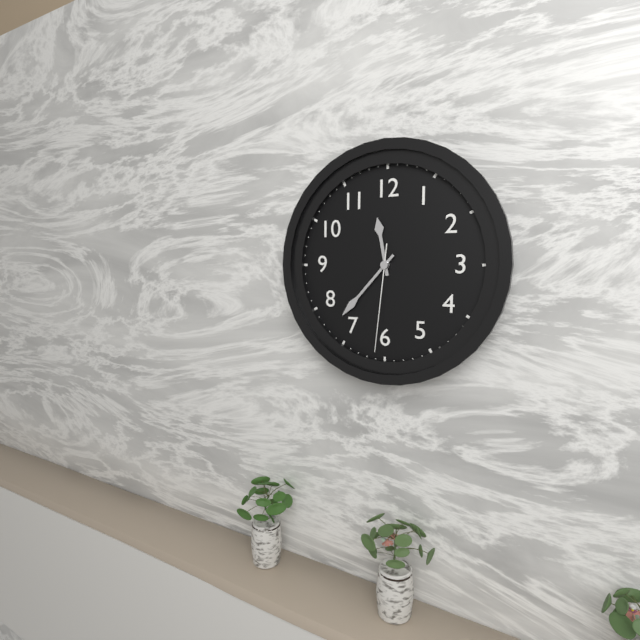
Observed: 11.37.31
